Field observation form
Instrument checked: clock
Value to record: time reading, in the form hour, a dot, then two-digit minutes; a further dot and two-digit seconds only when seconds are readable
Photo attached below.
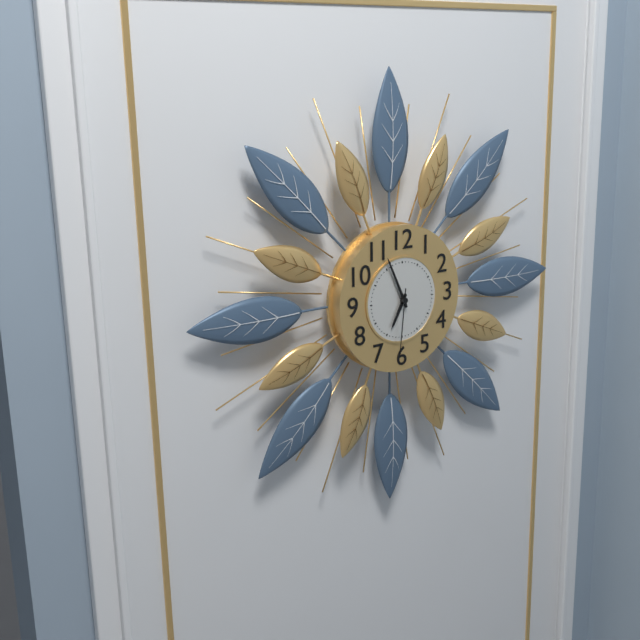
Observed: 6.56.31
